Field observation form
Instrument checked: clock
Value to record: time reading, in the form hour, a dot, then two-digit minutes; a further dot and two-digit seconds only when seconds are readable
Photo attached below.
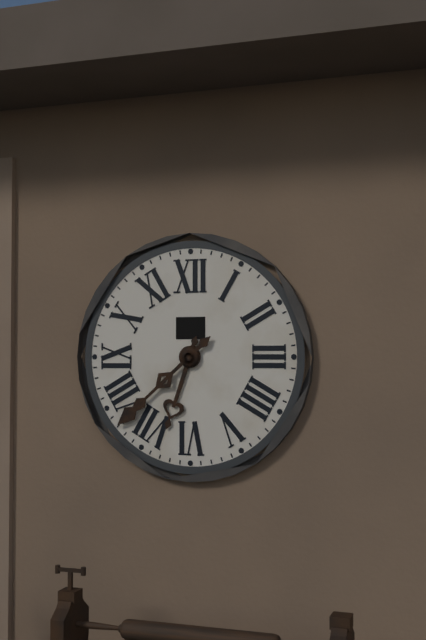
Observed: 6.38
